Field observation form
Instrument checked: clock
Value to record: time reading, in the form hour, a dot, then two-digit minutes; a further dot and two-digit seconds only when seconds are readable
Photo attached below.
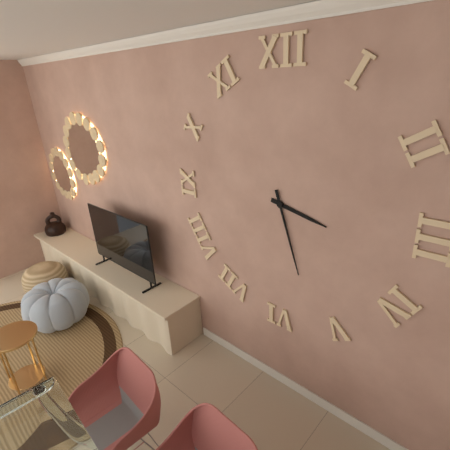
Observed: 3.27
